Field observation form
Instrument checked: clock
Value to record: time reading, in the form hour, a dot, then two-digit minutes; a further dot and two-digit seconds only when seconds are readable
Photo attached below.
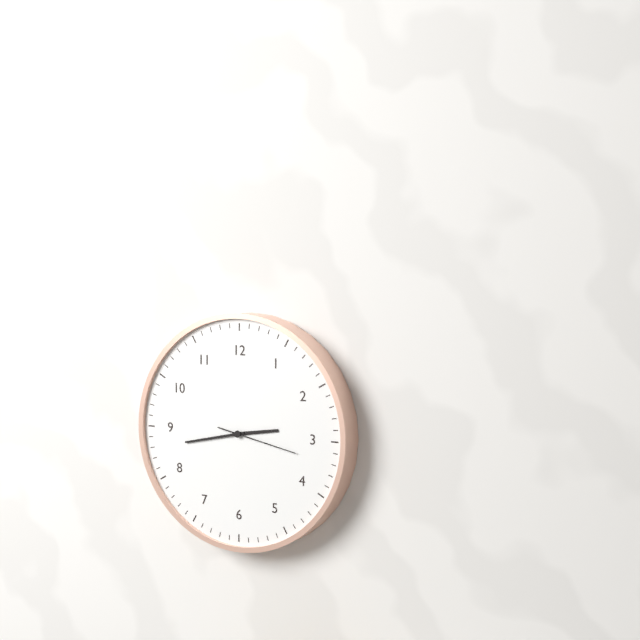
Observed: 2.43.17
